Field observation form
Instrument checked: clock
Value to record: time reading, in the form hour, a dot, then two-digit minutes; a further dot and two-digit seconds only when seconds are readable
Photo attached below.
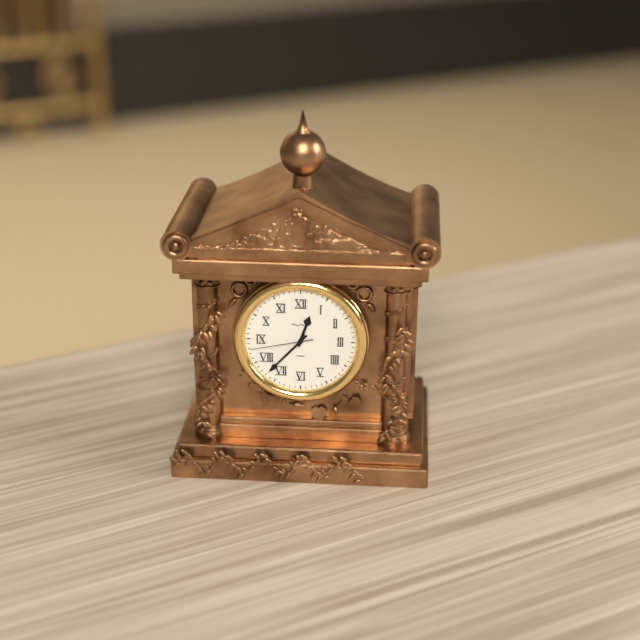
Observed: 12.37.43
